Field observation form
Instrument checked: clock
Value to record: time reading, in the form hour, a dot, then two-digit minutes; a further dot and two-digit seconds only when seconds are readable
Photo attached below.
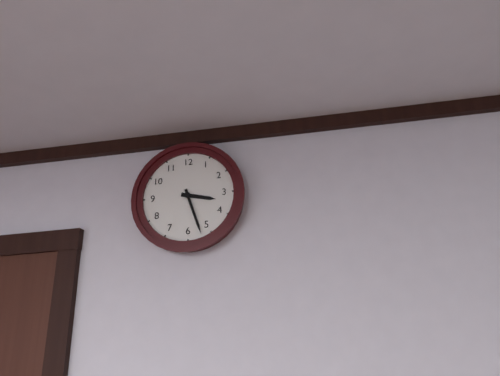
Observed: 3.27
